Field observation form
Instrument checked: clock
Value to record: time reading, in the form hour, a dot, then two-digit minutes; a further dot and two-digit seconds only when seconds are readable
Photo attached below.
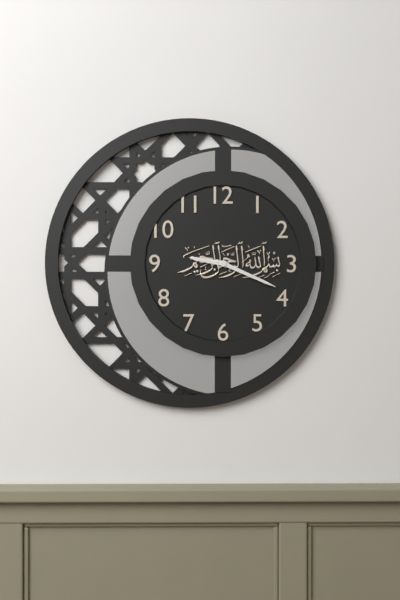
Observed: 9.19
